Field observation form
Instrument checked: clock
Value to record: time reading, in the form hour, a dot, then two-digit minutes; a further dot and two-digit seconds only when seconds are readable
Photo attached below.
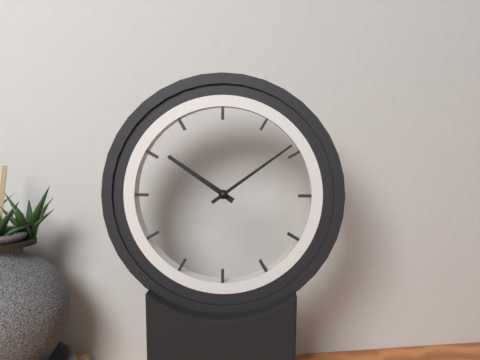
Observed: 10.09
